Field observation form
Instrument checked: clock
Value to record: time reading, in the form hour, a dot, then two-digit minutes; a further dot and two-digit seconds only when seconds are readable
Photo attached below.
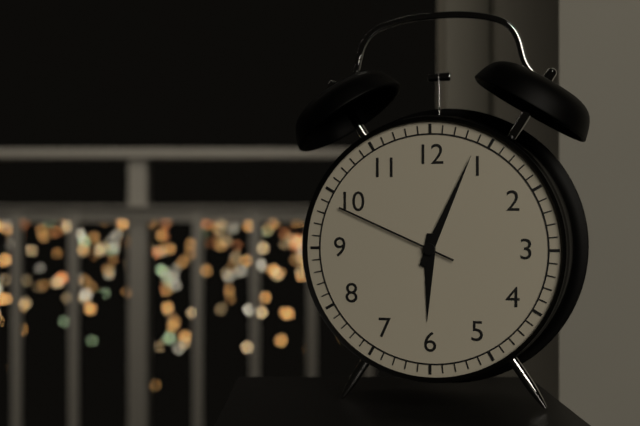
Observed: 6.04.49
